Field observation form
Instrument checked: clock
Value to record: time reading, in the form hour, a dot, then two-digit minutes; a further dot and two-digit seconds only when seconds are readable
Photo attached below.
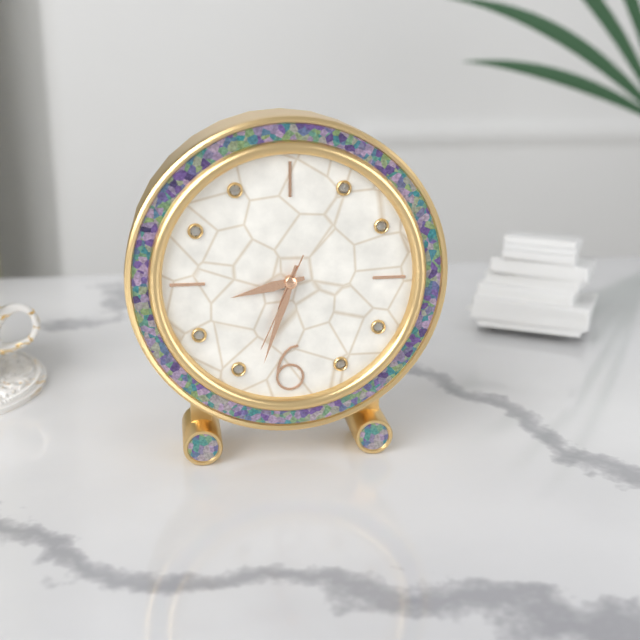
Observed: 8.33.34
